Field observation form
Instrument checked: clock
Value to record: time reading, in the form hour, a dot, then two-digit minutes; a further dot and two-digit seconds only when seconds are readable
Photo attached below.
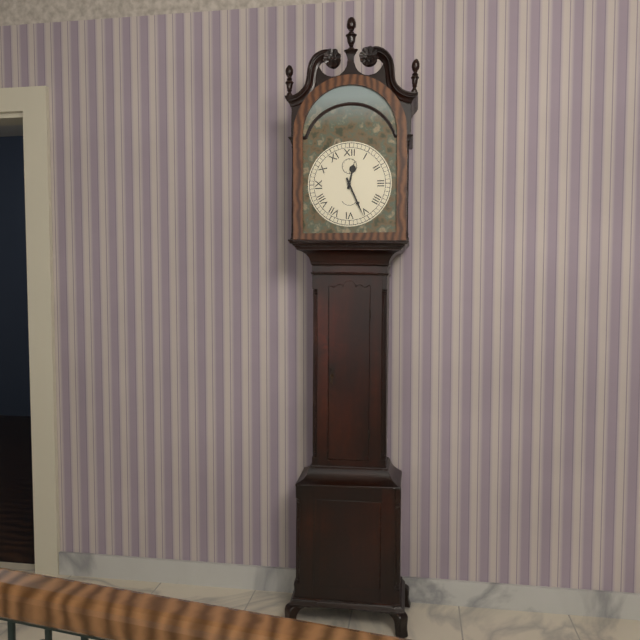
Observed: 12.26
